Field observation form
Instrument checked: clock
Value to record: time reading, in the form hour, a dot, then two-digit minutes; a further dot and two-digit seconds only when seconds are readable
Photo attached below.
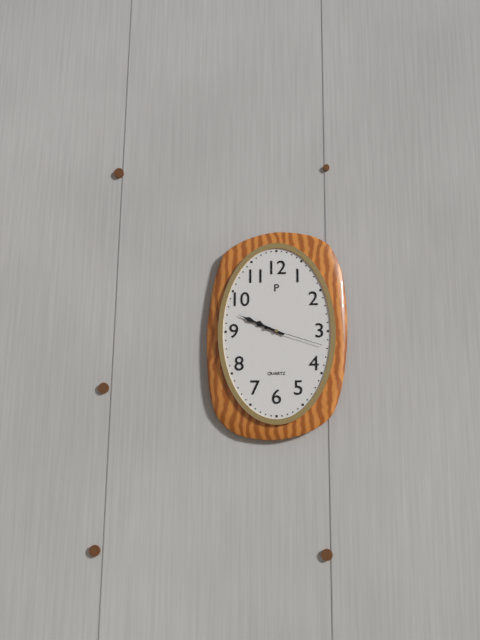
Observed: 9.49.18
